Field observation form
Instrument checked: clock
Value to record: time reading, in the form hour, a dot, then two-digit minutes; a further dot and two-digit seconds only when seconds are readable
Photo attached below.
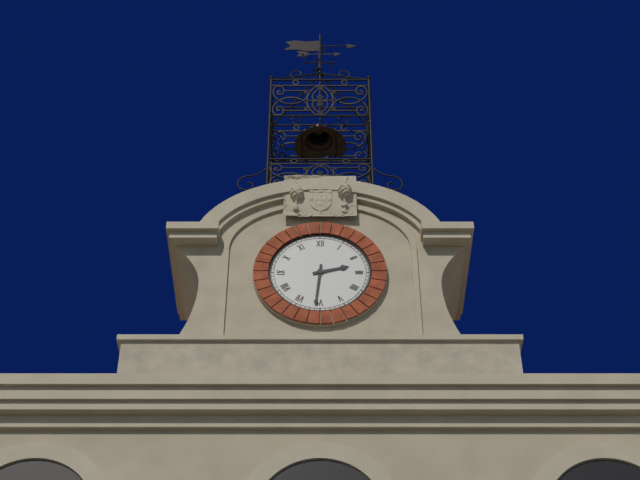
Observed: 2.31
